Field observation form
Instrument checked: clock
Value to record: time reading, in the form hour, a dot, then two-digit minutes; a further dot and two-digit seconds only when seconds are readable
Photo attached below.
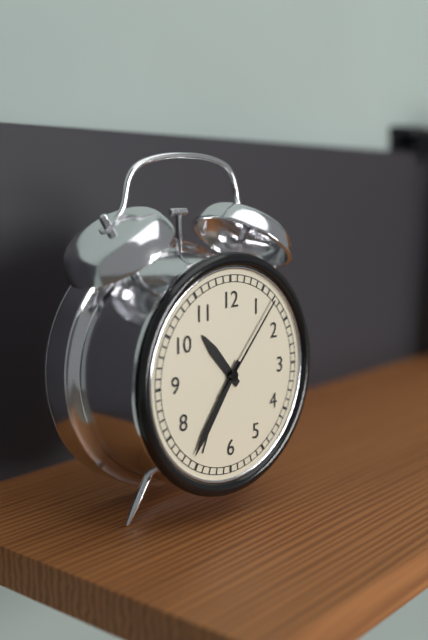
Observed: 10.36.07
